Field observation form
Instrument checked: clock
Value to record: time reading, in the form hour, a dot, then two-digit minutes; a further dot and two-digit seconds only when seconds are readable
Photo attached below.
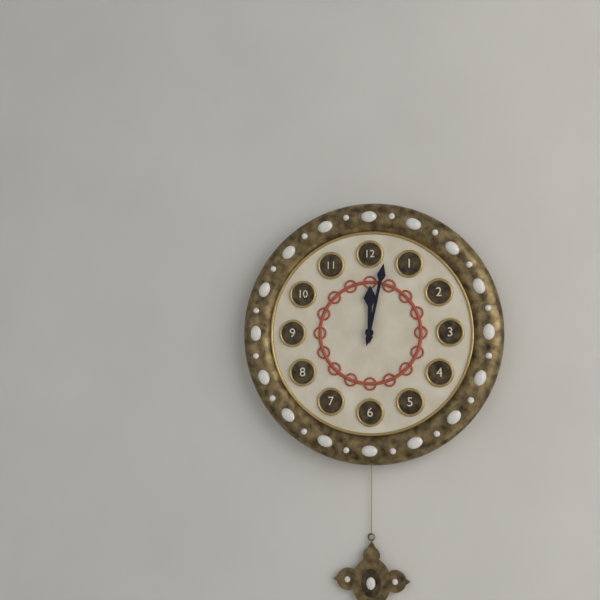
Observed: 12.02
